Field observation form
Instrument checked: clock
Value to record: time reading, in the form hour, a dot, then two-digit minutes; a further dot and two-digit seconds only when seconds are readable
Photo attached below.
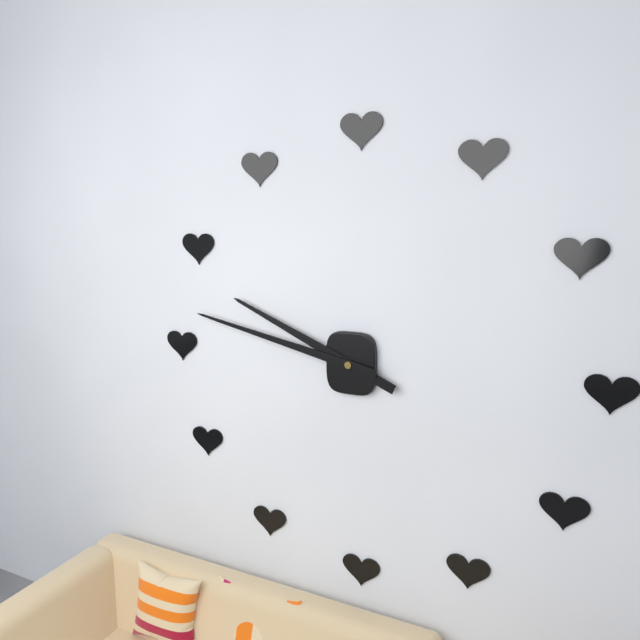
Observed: 9.47
